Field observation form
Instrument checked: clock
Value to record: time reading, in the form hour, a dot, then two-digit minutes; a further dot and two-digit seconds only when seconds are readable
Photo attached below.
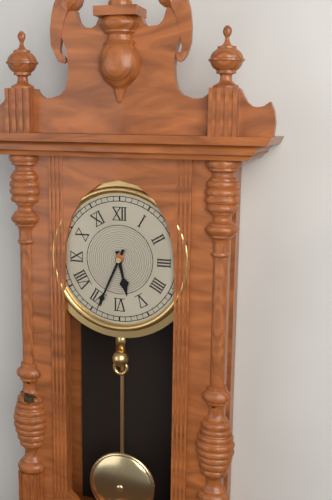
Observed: 5.34
